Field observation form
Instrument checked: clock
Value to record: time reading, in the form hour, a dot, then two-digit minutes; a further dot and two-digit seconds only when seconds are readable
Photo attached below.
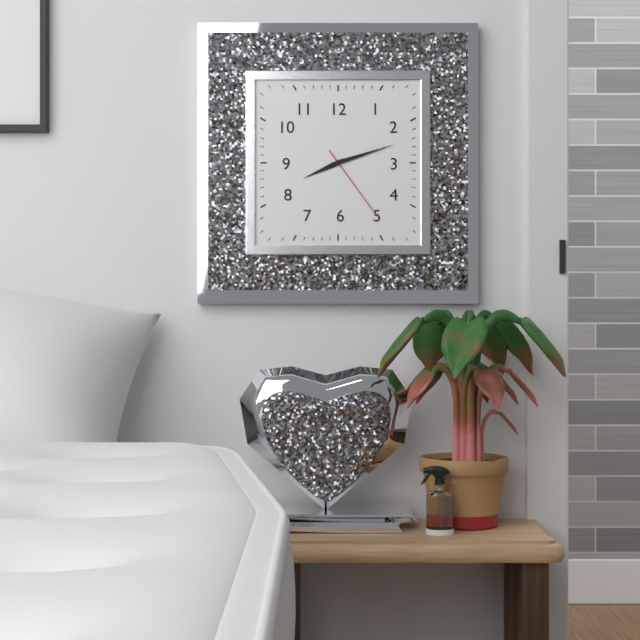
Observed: 8.12.24
